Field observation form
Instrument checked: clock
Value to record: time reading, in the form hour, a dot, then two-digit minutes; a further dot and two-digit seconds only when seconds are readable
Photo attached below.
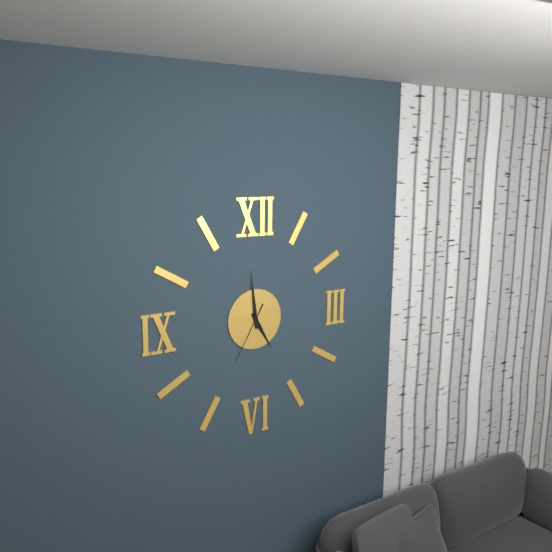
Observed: 4.59.35
